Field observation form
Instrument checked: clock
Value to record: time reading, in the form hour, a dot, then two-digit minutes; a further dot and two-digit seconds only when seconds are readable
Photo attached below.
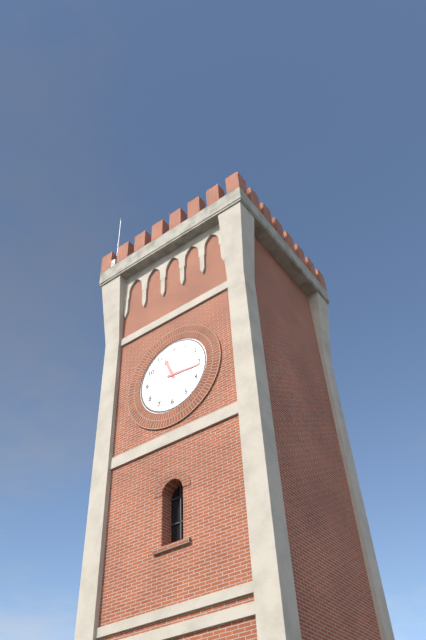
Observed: 11.16
